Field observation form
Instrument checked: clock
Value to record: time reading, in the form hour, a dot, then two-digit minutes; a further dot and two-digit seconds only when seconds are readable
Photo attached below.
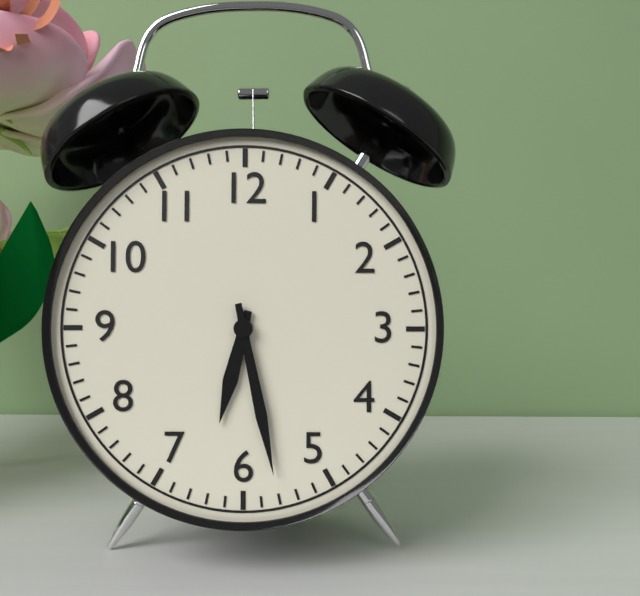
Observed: 6.28
